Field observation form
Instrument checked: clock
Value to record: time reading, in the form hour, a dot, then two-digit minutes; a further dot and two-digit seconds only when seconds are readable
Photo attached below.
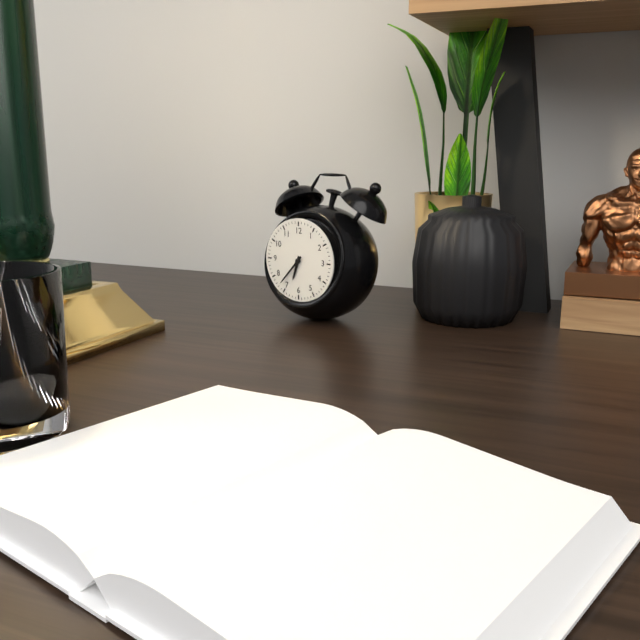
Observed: 6.37
